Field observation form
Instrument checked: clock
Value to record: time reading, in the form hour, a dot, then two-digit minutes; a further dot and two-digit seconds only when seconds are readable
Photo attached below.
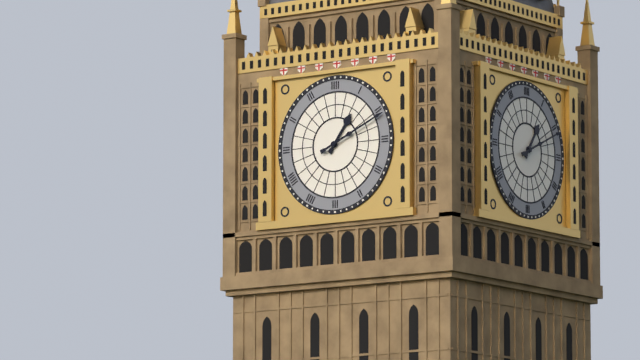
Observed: 1.11
